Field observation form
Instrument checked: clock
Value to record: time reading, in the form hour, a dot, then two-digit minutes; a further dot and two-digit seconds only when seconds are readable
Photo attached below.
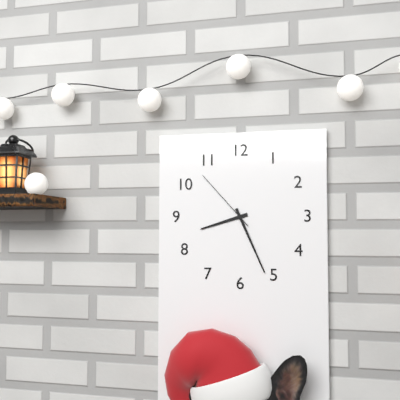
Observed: 8.26.53
